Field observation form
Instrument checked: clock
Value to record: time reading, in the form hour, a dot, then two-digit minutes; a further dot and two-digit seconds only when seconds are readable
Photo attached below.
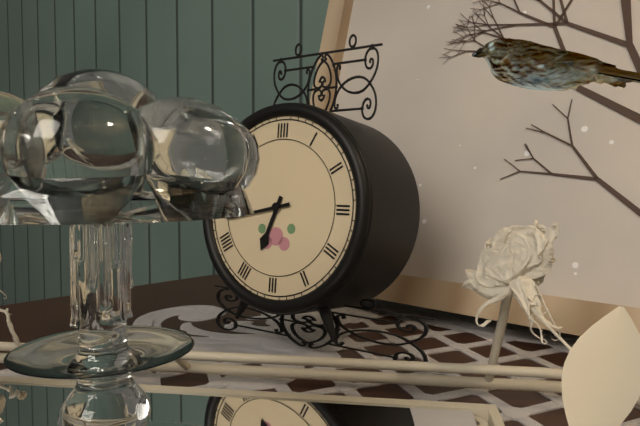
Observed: 6.43
